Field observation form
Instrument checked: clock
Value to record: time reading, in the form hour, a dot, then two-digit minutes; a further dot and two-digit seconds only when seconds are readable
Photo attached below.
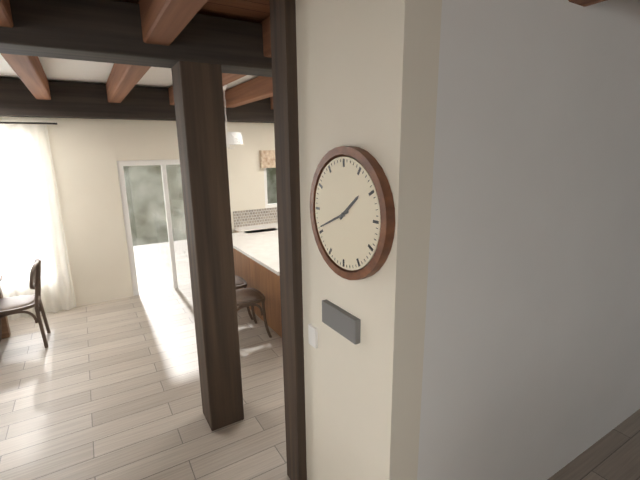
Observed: 1.41
